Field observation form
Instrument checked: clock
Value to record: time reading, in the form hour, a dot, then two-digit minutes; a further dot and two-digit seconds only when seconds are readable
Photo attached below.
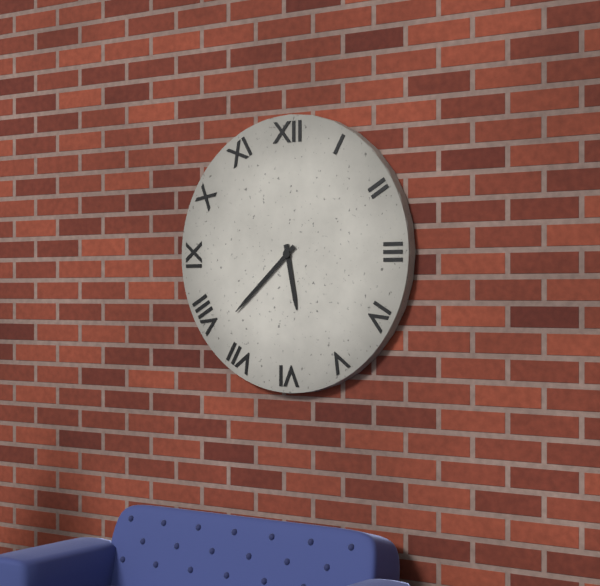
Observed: 5.38
